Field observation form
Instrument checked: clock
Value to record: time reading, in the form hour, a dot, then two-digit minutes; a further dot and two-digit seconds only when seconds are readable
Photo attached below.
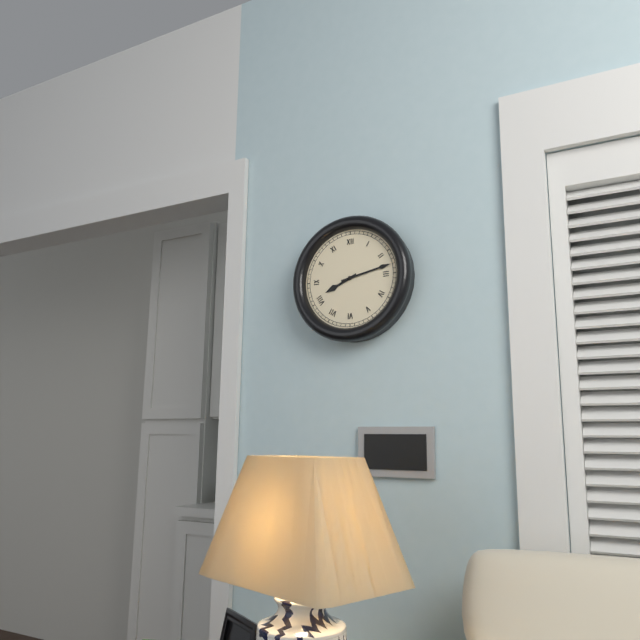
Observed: 8.13
